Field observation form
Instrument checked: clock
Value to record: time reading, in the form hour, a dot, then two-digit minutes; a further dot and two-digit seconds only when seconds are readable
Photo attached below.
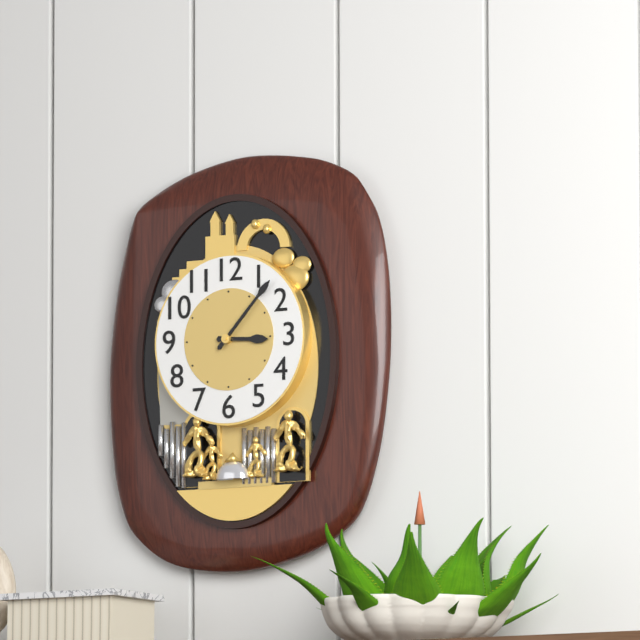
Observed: 3.07
